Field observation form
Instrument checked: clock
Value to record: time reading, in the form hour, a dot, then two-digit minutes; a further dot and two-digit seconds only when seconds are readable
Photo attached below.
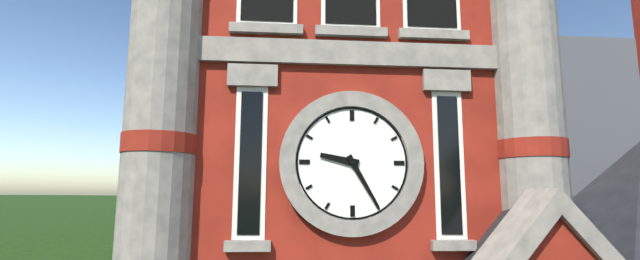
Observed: 9.25
